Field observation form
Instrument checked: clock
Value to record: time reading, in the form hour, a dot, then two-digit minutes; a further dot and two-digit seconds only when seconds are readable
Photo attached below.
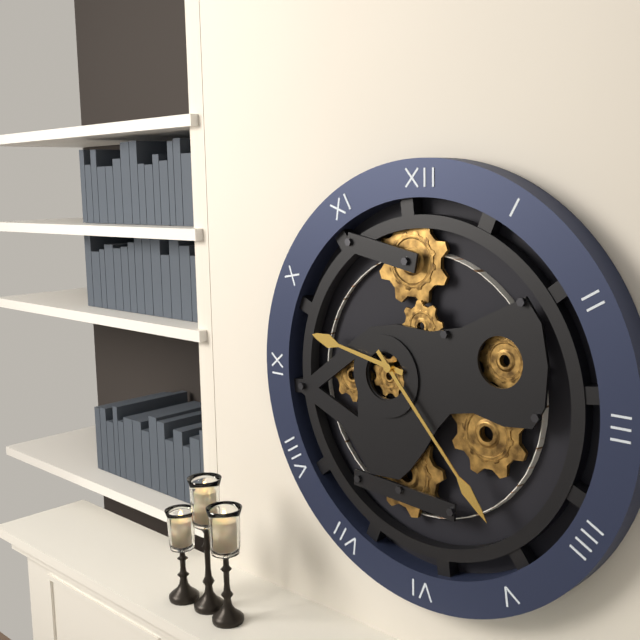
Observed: 9.23
